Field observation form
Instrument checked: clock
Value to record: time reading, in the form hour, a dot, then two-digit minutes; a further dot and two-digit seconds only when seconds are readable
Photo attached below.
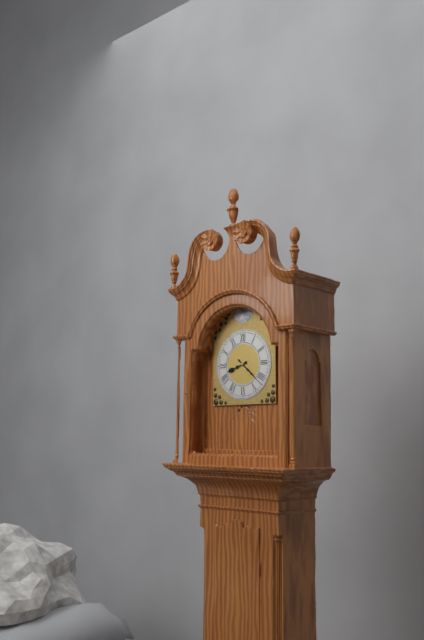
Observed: 8.22
